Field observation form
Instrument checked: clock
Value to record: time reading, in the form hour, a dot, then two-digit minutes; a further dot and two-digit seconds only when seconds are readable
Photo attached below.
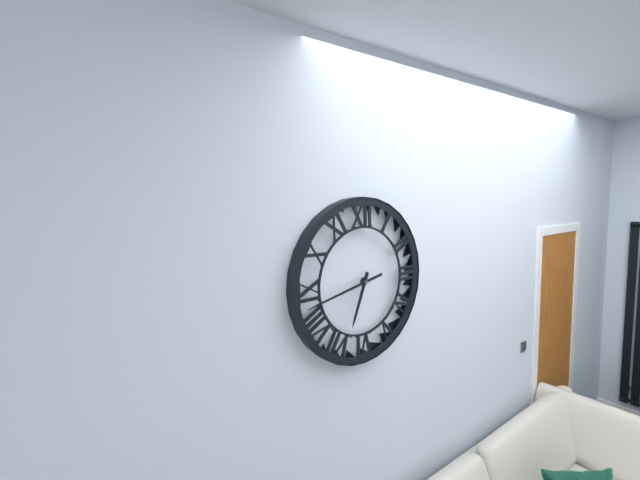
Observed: 6.43
